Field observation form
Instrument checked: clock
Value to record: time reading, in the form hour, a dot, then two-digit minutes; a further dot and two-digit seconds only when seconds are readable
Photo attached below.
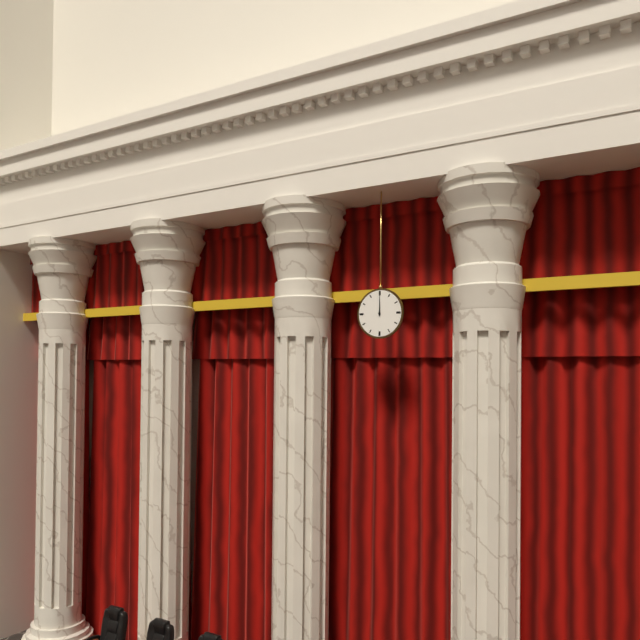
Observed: 12.00
